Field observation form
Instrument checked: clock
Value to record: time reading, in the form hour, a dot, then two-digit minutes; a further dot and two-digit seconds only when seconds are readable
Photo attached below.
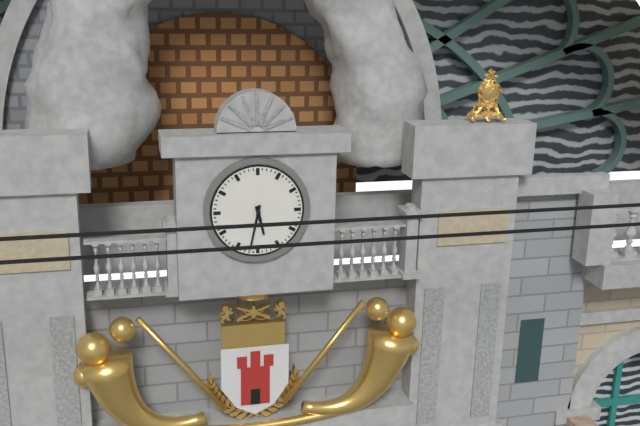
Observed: 5.32
